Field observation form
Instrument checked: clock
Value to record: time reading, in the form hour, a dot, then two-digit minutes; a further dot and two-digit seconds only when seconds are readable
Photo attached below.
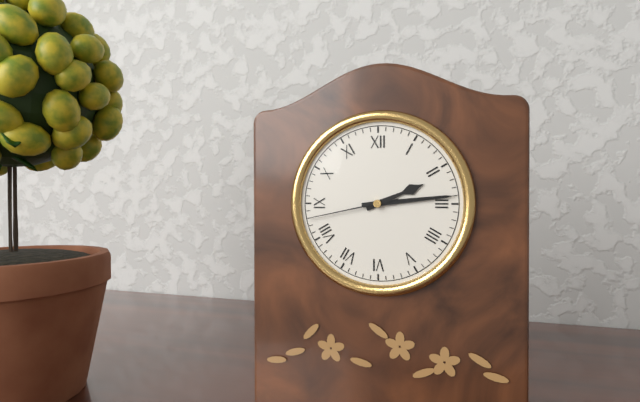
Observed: 2.14.43
